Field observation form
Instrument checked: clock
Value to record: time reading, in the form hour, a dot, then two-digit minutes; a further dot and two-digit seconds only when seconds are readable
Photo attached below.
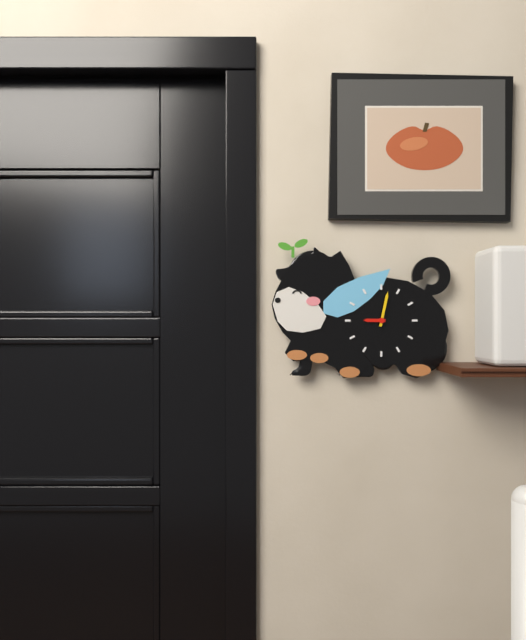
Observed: 9.02
